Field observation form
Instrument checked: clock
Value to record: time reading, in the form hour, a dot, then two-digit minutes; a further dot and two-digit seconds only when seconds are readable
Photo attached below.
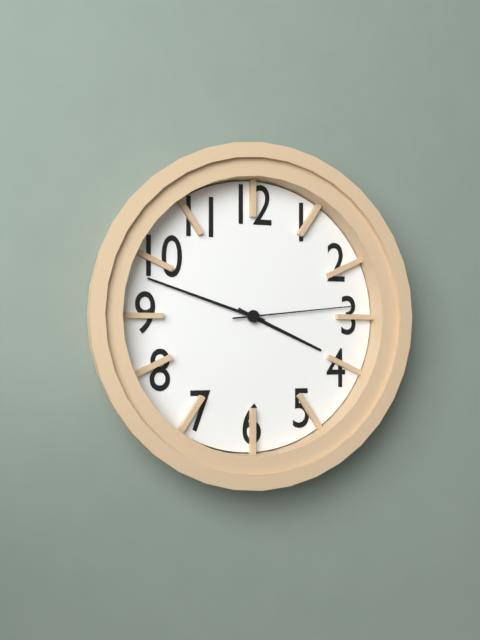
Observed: 3.48.14
